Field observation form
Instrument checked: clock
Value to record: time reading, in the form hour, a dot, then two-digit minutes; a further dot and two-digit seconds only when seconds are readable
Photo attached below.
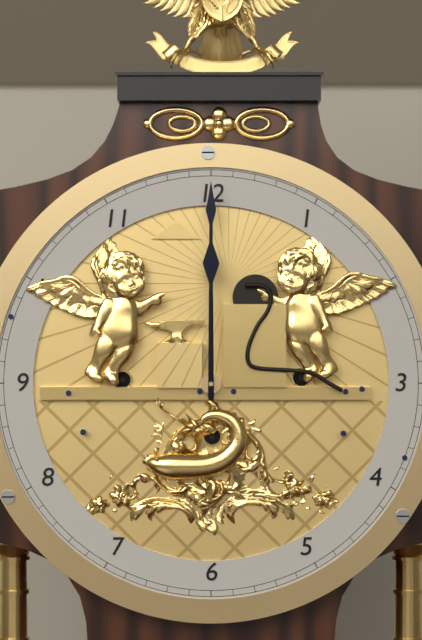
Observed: 12.00
